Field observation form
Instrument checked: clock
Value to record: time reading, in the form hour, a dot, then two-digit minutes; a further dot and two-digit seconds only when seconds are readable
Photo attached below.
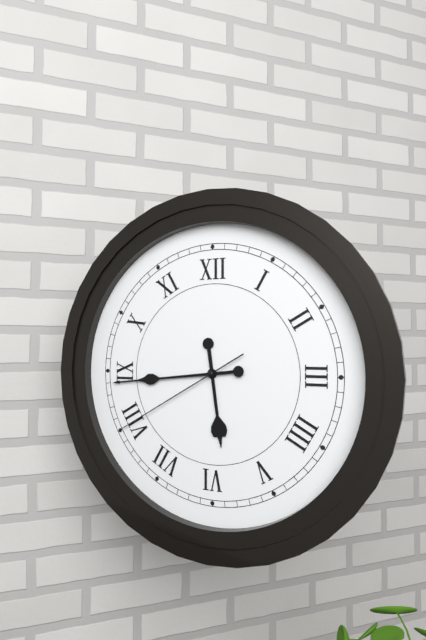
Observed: 5.44.40
